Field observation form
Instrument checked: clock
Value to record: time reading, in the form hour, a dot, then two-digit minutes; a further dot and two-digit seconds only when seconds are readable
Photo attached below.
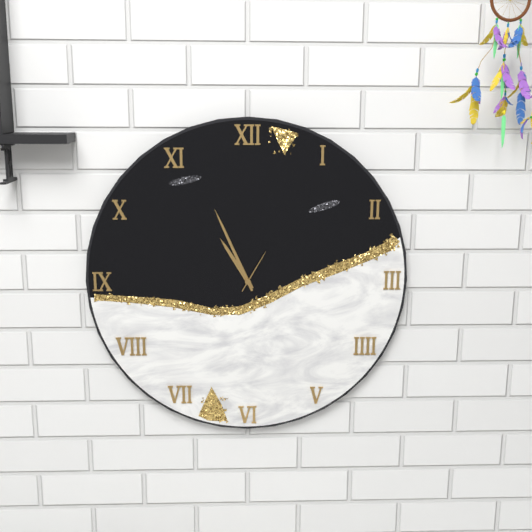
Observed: 10.56
